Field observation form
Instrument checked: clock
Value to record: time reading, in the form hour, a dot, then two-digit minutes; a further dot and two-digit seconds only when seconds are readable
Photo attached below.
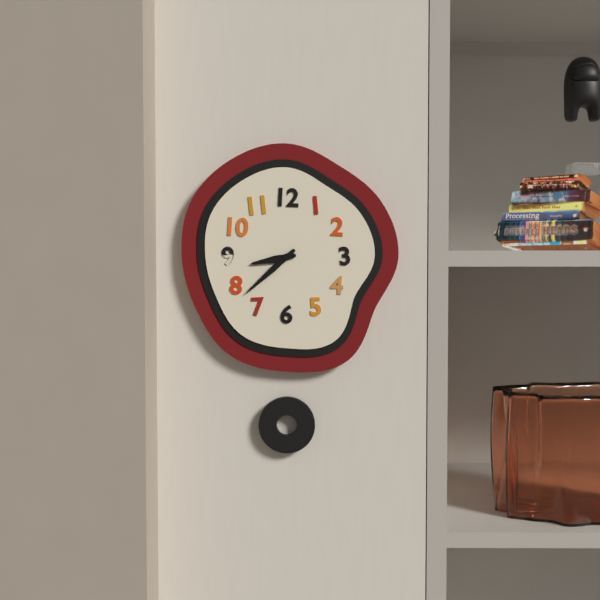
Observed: 8.38
